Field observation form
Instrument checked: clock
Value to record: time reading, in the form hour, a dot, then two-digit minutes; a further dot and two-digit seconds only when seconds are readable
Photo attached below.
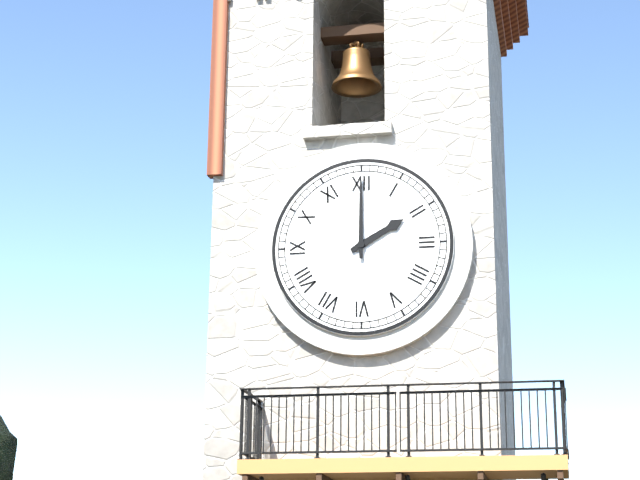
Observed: 2.00
